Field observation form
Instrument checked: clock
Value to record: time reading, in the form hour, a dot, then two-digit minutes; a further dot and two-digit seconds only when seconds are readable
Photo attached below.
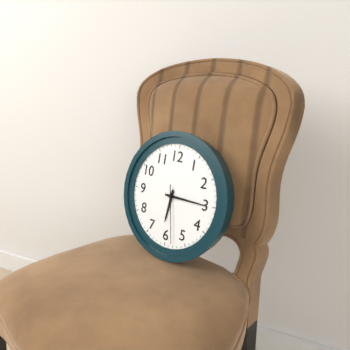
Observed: 6.15.28
